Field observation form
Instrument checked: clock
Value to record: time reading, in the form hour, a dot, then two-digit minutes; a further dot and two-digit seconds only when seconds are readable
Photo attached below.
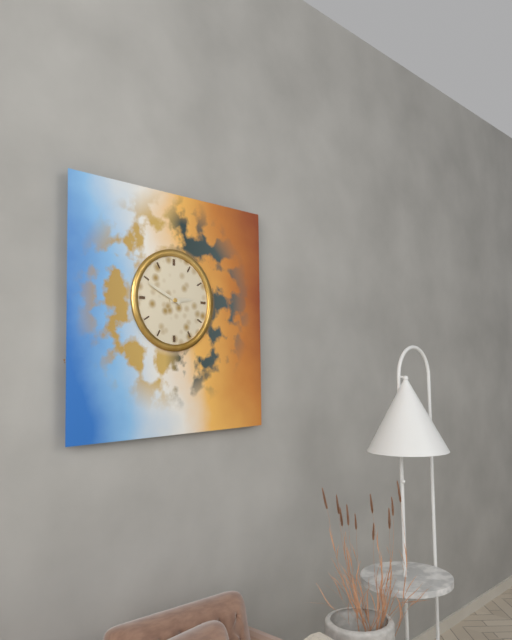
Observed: 2.49
